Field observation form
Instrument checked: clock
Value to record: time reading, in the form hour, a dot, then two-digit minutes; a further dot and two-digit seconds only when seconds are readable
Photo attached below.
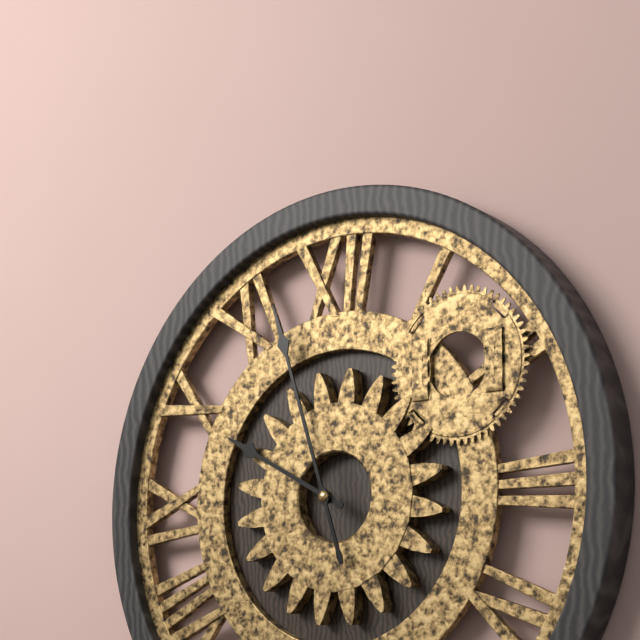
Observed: 9.57
